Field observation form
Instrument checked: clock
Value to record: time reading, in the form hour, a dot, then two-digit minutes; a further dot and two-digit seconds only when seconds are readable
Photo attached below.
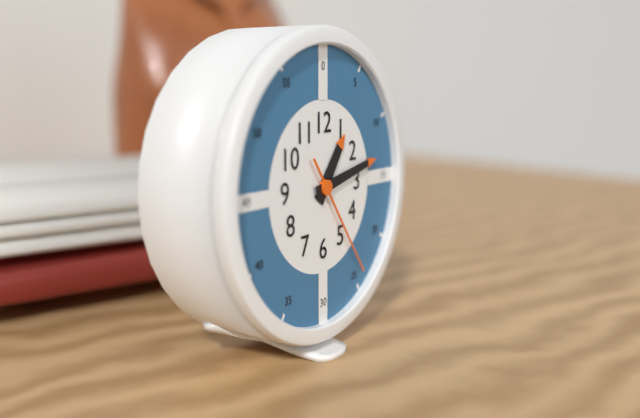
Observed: 1.13.24
